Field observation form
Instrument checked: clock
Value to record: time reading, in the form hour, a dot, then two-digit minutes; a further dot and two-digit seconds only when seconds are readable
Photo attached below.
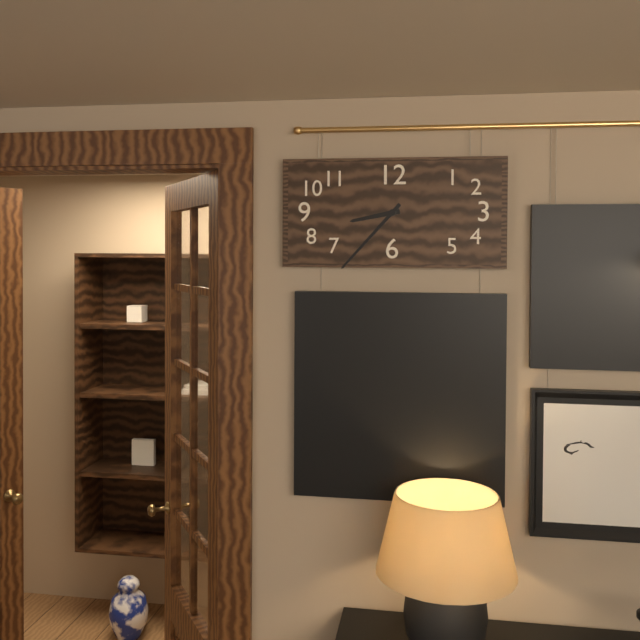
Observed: 8.37
